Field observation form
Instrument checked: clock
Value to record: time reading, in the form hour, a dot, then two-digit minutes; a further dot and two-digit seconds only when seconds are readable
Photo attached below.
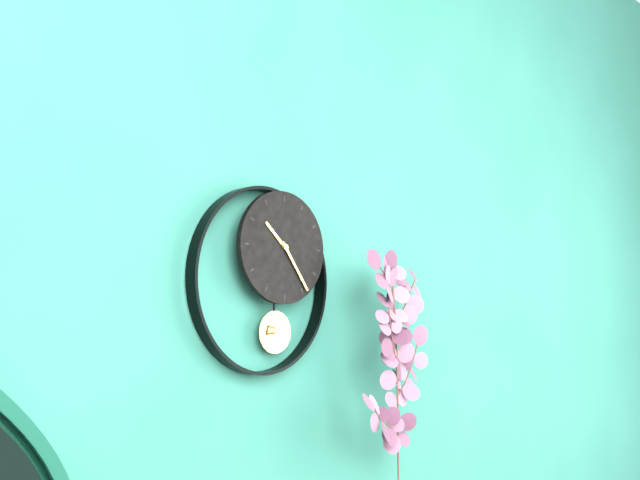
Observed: 10.24
